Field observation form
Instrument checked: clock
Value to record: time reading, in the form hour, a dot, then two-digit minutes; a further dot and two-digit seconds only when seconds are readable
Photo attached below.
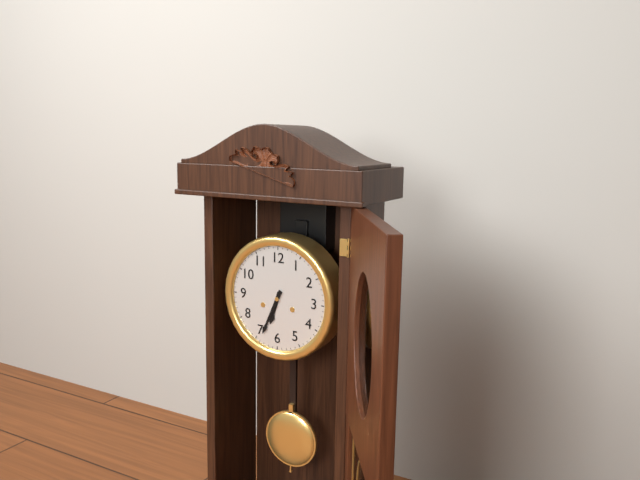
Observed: 6.34
